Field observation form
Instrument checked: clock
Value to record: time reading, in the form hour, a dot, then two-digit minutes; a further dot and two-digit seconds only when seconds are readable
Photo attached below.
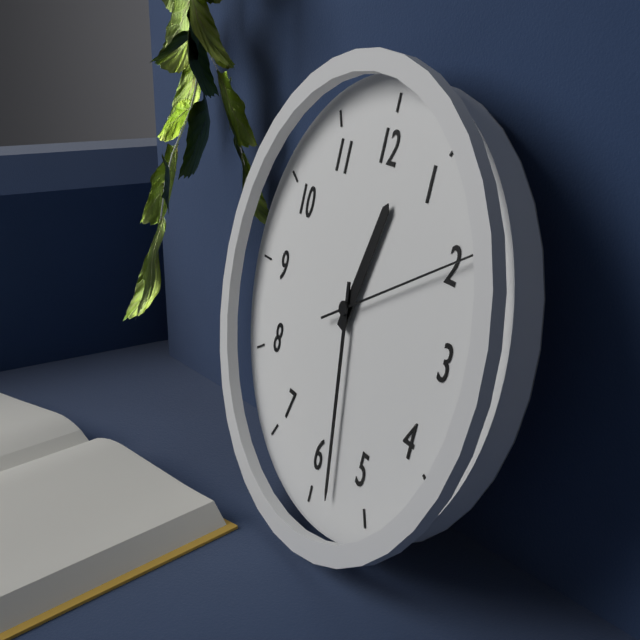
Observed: 12.28.10
